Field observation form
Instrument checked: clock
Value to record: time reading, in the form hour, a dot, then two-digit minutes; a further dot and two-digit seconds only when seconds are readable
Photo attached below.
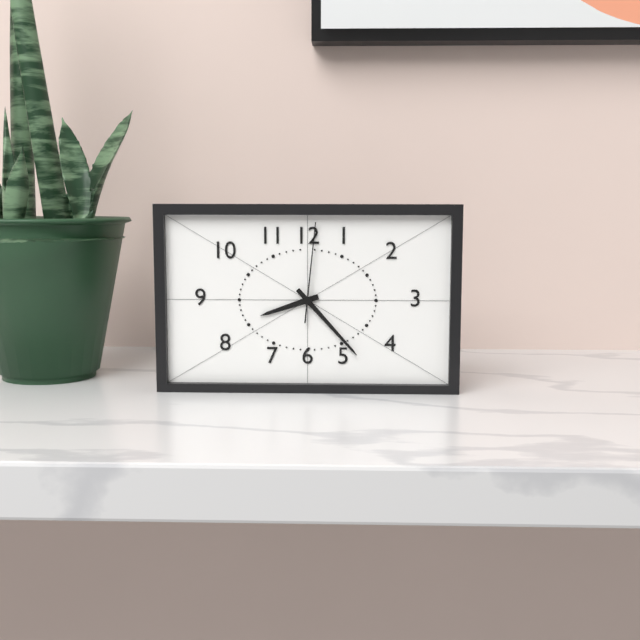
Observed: 8.23.01
